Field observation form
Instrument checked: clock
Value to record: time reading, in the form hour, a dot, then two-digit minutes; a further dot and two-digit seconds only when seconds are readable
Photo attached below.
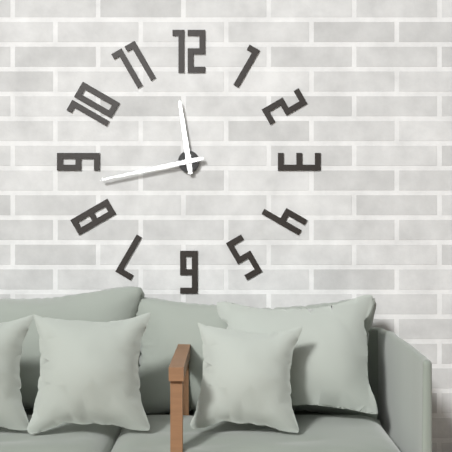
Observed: 11.43
